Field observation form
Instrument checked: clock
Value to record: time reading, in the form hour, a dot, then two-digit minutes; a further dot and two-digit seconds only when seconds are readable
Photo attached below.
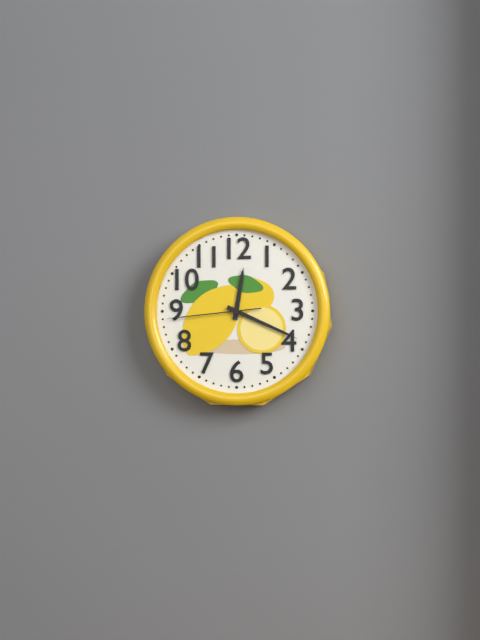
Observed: 12.19.44
